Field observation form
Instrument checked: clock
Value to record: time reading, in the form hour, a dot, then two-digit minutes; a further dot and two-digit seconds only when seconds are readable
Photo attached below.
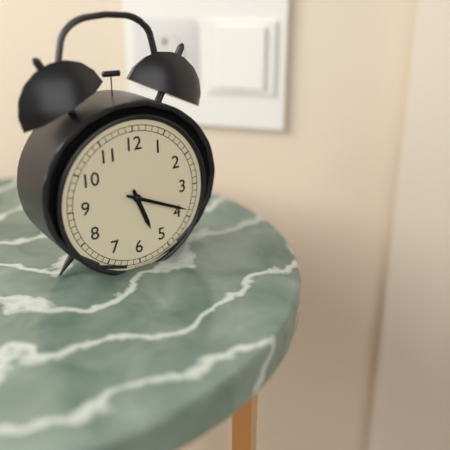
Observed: 5.19
